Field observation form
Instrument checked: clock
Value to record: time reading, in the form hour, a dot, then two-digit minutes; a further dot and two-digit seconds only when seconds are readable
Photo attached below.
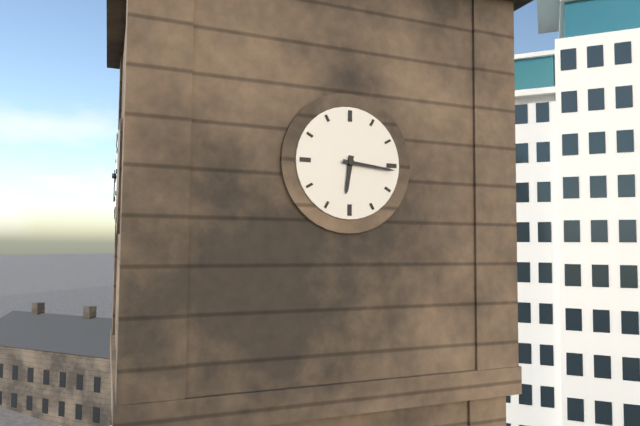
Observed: 6.16
